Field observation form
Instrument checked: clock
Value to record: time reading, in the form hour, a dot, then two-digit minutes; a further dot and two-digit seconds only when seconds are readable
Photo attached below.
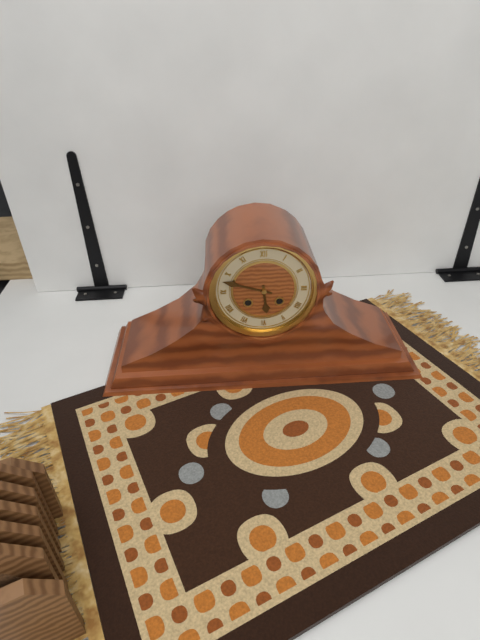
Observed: 5.48
